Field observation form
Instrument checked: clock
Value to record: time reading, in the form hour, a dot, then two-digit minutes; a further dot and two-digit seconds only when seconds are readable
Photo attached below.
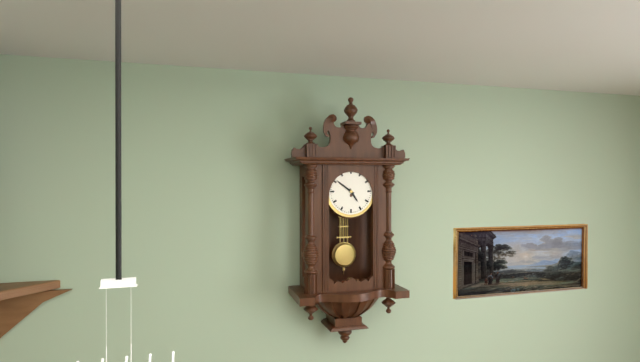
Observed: 4.51
